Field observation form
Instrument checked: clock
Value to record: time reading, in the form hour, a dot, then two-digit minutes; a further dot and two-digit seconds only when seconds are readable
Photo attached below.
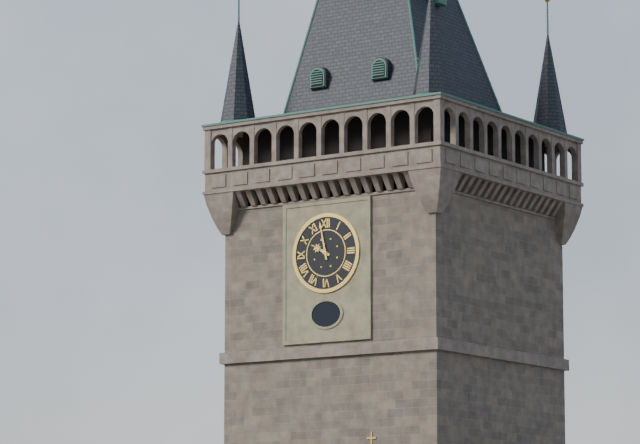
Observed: 9.58
